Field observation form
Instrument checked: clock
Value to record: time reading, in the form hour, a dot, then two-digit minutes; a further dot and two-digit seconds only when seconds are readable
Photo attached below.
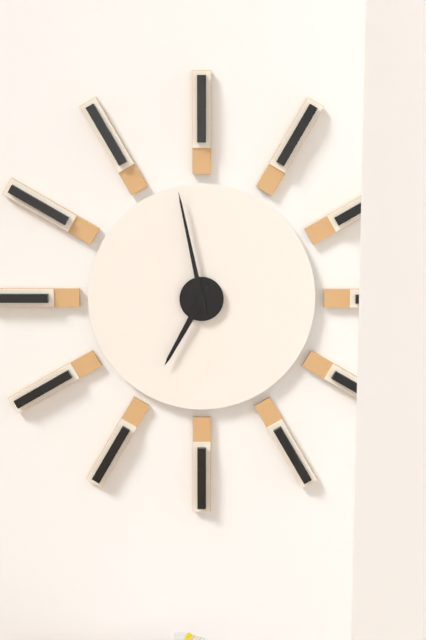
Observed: 6.58
